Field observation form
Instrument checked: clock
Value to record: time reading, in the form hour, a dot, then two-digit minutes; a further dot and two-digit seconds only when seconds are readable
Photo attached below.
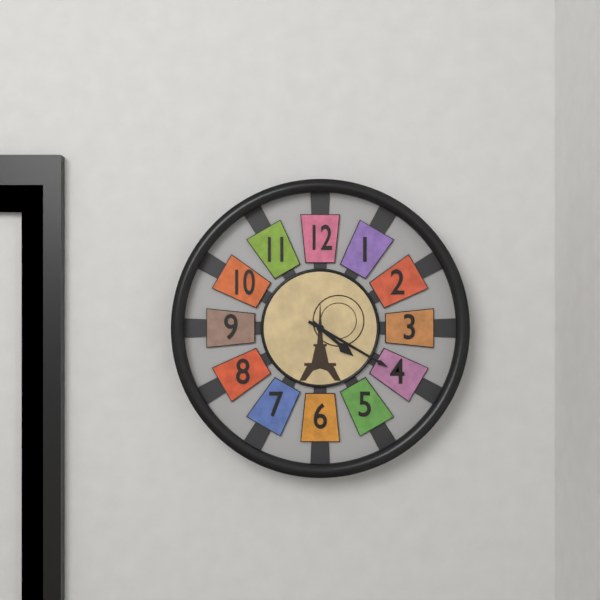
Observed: 4.20
